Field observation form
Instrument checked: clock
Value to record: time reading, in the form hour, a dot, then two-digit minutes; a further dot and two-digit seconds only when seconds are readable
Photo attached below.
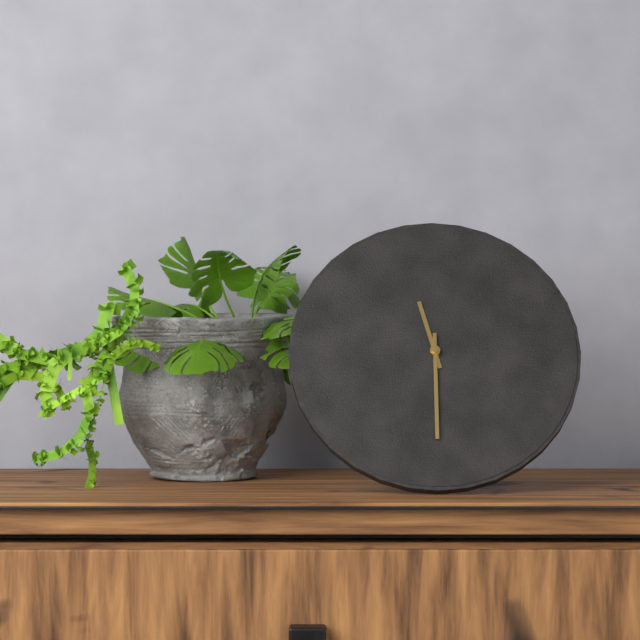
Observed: 11.30
